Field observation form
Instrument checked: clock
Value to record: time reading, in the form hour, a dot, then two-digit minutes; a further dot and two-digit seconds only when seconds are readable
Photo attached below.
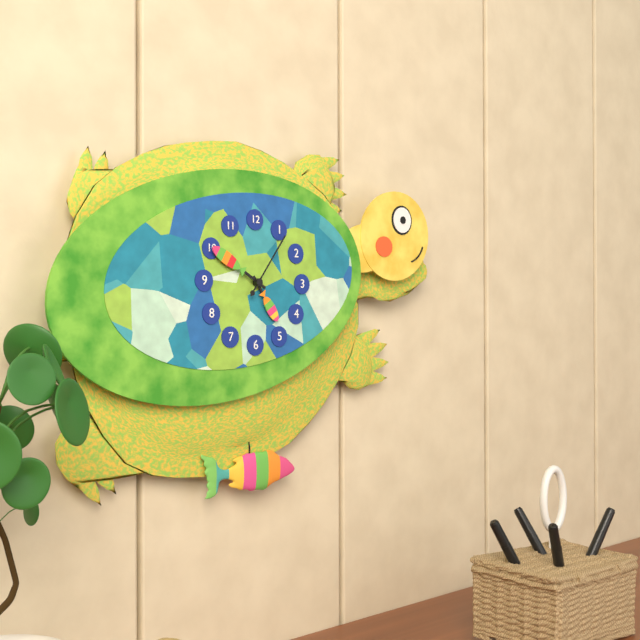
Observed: 4.50.06
